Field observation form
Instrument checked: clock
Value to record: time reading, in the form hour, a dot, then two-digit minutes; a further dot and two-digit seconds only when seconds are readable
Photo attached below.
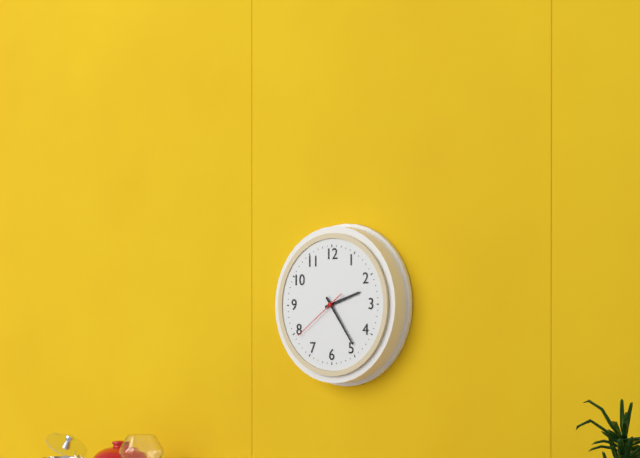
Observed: 2.24.39
